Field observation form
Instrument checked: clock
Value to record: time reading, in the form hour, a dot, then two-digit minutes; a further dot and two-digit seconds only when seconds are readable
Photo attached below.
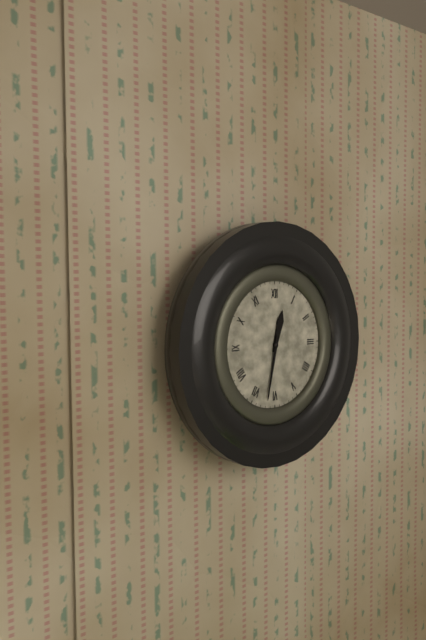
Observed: 12.32
